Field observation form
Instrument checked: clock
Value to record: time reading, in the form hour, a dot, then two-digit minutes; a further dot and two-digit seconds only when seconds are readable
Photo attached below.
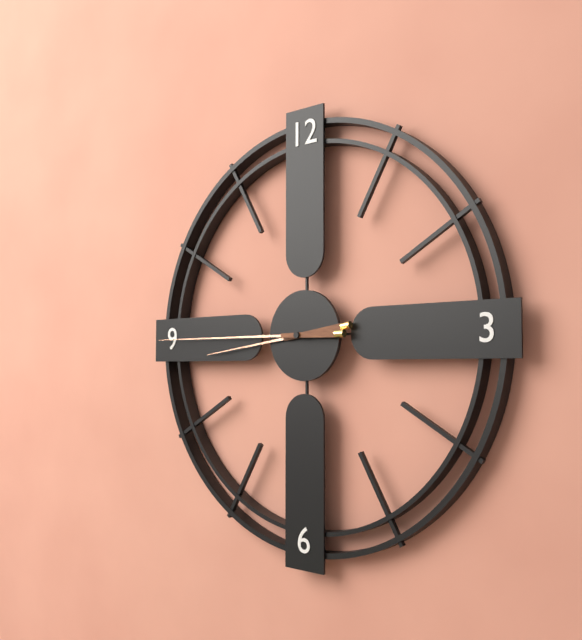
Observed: 8.45
